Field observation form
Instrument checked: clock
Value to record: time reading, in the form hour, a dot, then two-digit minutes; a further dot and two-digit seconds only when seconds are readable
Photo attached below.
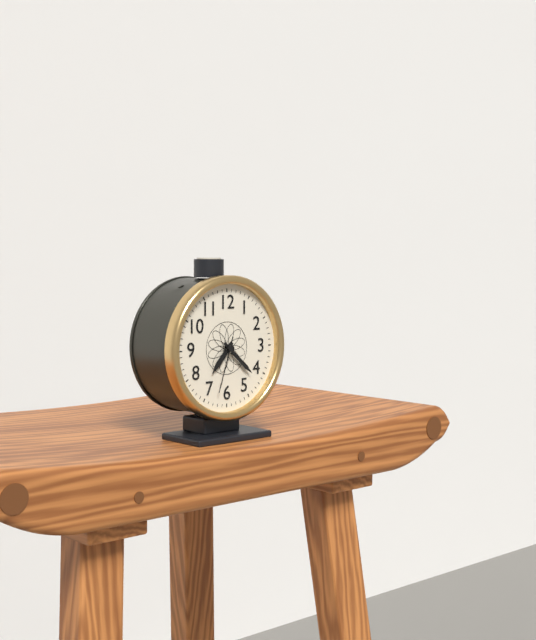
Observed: 7.22.33
